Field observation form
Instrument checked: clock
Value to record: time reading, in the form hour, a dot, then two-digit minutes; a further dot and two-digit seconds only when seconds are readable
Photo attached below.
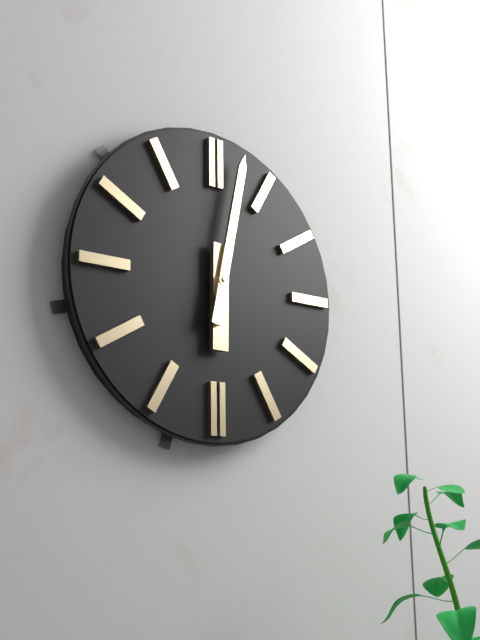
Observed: 6.02
